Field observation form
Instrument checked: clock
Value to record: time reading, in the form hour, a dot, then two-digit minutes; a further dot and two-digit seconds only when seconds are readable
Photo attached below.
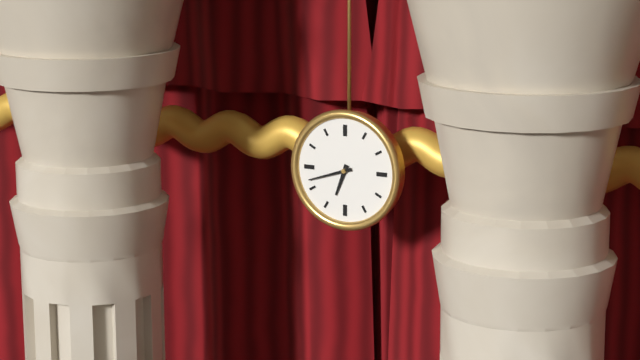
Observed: 6.42
